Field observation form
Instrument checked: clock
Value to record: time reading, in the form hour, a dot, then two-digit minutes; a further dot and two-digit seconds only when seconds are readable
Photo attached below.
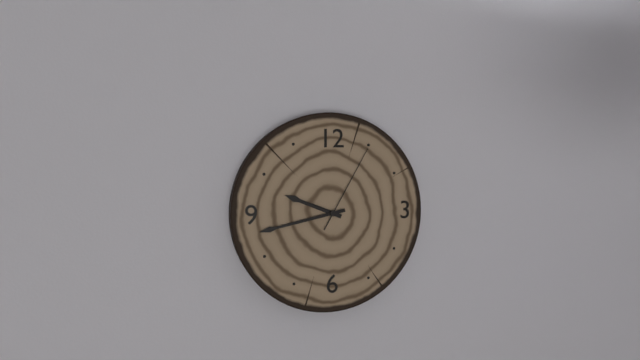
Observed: 9.43.05
